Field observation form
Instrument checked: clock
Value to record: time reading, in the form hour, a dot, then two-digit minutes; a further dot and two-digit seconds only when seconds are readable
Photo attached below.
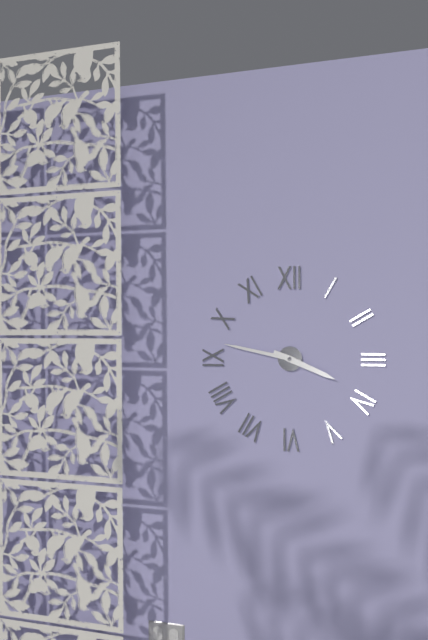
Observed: 3.47
